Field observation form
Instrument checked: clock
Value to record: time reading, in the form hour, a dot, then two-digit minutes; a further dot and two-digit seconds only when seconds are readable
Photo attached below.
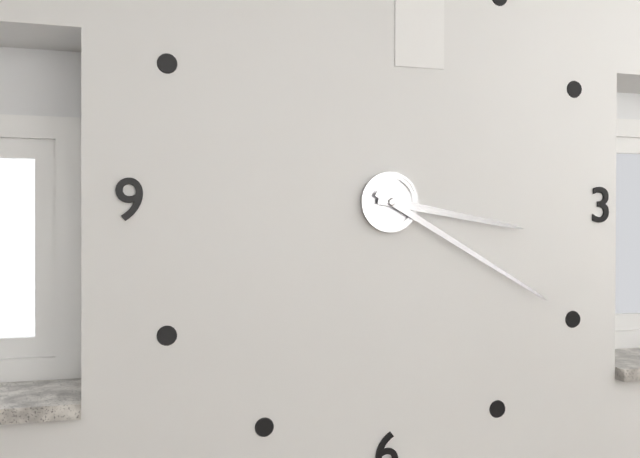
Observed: 3.20
